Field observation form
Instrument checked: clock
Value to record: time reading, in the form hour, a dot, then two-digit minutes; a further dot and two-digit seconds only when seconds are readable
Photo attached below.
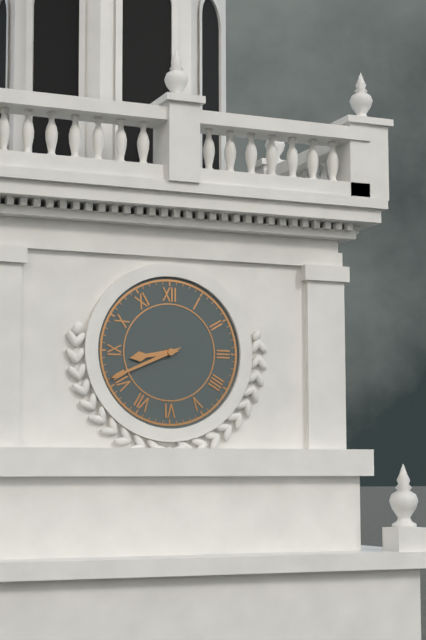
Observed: 8.41
